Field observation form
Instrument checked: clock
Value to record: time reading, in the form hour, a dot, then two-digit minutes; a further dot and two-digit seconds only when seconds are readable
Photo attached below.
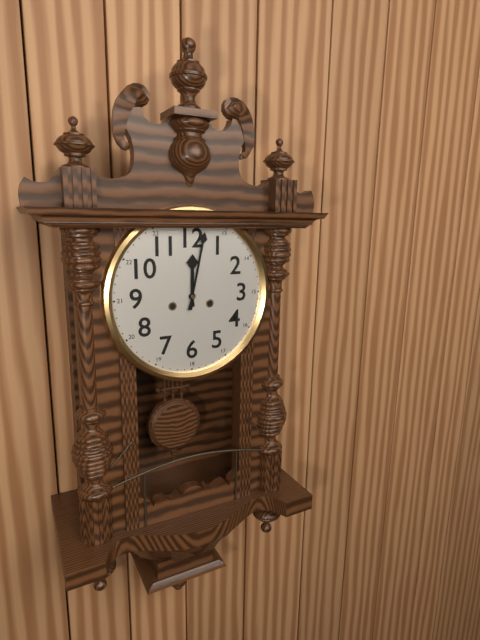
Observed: 12.02
